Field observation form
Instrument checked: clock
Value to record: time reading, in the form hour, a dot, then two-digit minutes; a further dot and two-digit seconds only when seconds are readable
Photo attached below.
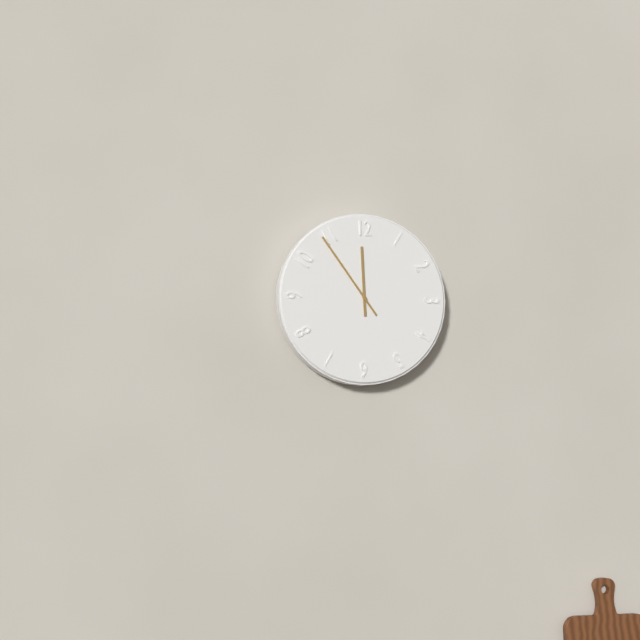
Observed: 11.54
